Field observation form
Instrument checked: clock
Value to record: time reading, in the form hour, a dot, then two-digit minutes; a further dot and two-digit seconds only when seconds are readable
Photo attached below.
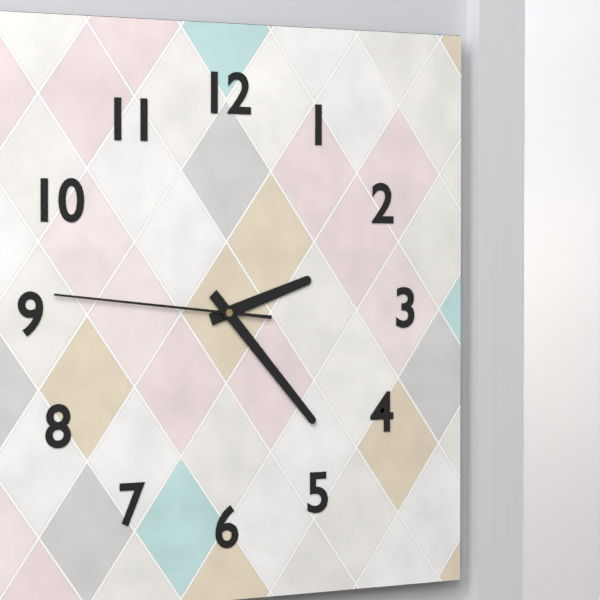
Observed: 2.23.46
